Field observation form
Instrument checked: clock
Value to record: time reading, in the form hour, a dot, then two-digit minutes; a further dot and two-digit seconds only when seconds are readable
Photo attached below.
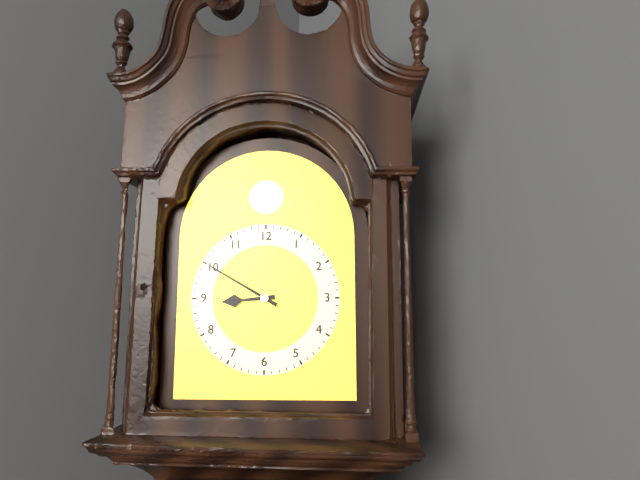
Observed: 8.50
